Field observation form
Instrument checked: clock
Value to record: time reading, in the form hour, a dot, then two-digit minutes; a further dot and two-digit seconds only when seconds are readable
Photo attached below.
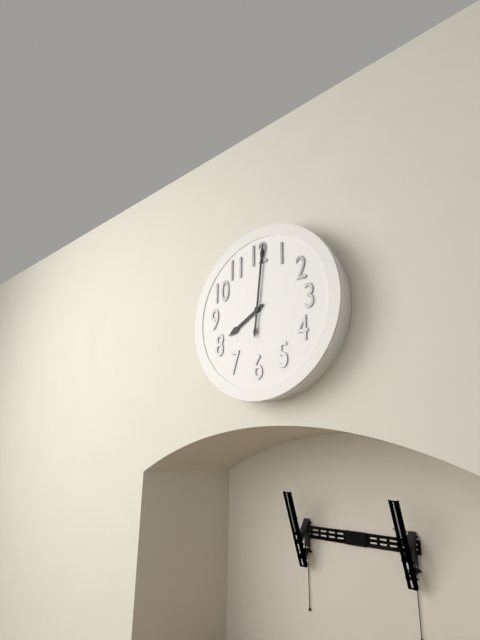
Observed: 8.01
